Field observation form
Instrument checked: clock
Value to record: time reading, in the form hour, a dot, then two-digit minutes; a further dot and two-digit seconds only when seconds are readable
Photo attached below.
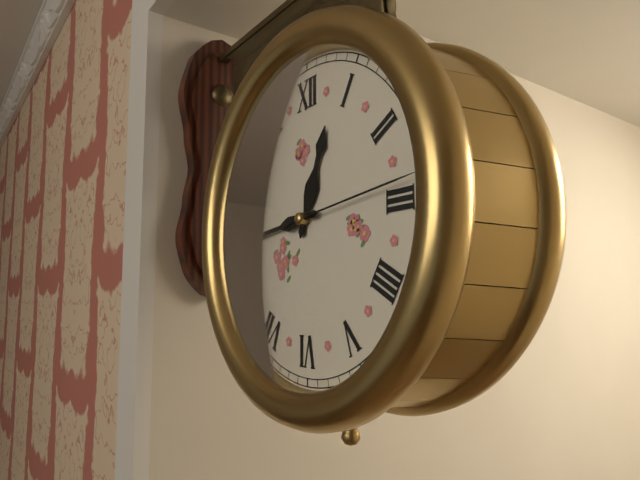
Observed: 12.44.14
